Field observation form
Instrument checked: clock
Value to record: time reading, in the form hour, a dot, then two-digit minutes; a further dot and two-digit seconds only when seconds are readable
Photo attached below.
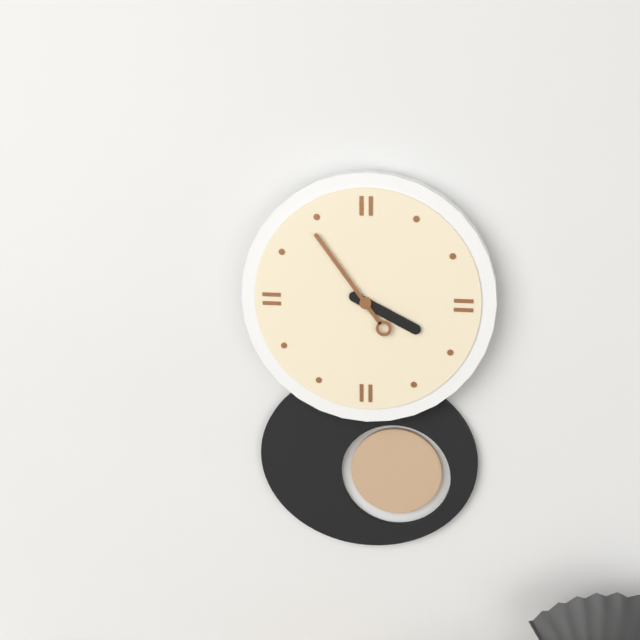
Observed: 3.54
